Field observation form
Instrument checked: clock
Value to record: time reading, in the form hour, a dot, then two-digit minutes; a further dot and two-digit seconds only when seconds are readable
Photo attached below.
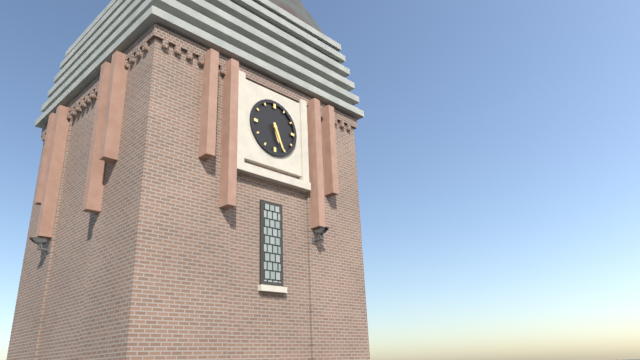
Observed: 5.26
